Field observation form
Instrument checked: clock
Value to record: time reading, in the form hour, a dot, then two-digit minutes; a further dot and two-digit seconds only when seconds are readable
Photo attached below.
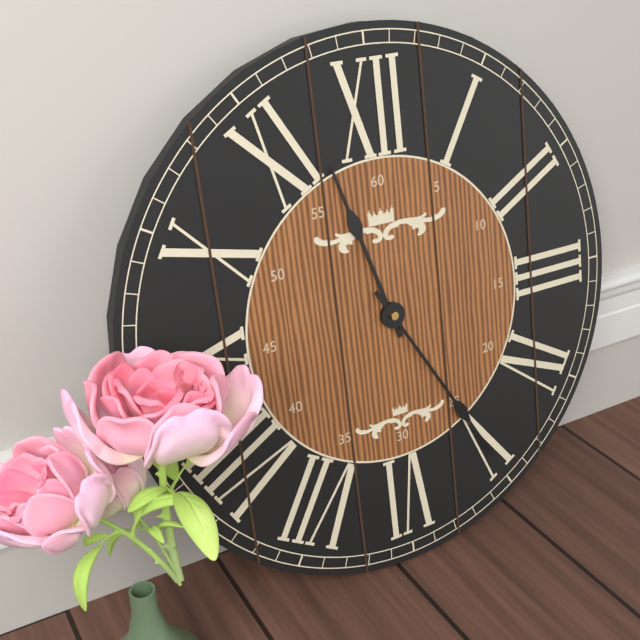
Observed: 11.25
